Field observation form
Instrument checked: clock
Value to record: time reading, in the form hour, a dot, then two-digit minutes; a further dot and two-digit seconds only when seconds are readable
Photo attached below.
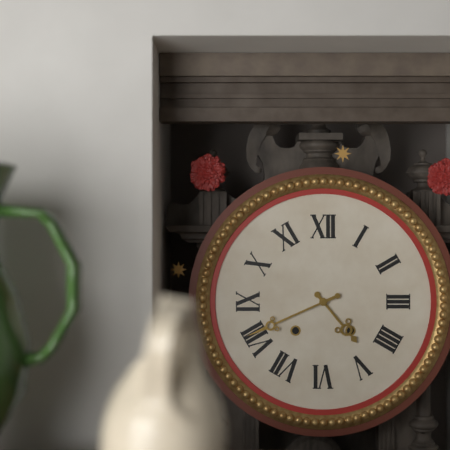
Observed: 4.41
